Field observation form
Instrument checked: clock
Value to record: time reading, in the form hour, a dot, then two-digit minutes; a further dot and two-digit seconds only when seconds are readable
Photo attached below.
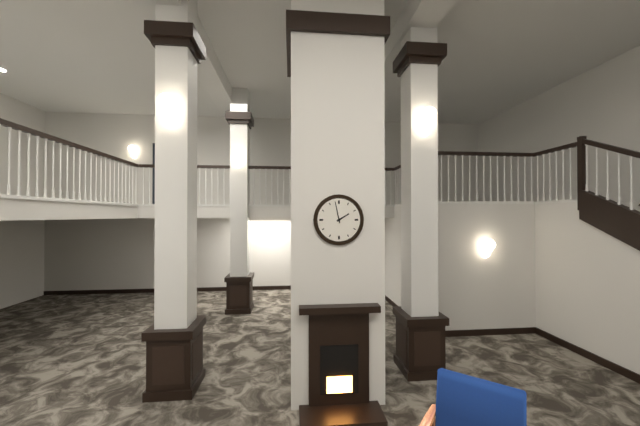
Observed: 1.58
